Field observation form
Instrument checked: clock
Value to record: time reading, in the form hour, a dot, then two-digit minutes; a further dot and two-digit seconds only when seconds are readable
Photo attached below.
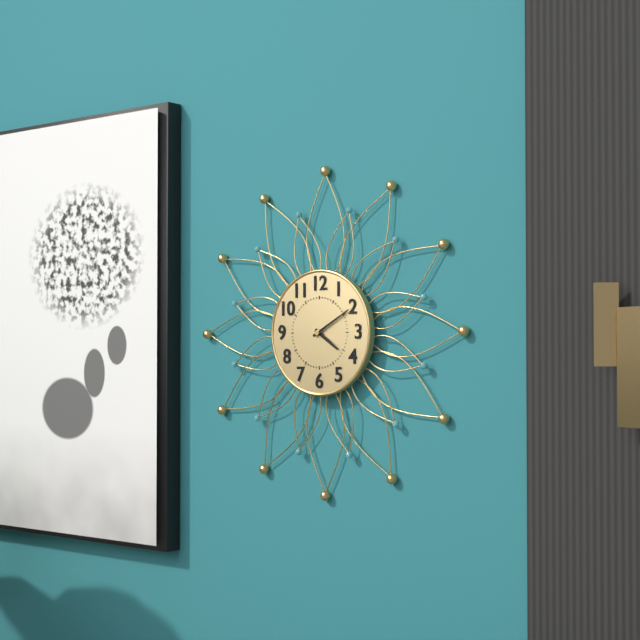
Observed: 4.10
